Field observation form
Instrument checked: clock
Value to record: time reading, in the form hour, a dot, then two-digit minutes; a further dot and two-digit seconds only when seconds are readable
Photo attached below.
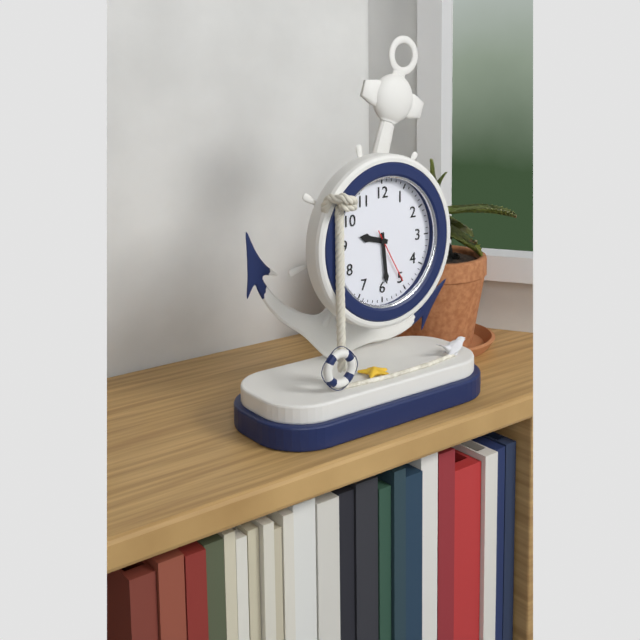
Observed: 9.29.25
